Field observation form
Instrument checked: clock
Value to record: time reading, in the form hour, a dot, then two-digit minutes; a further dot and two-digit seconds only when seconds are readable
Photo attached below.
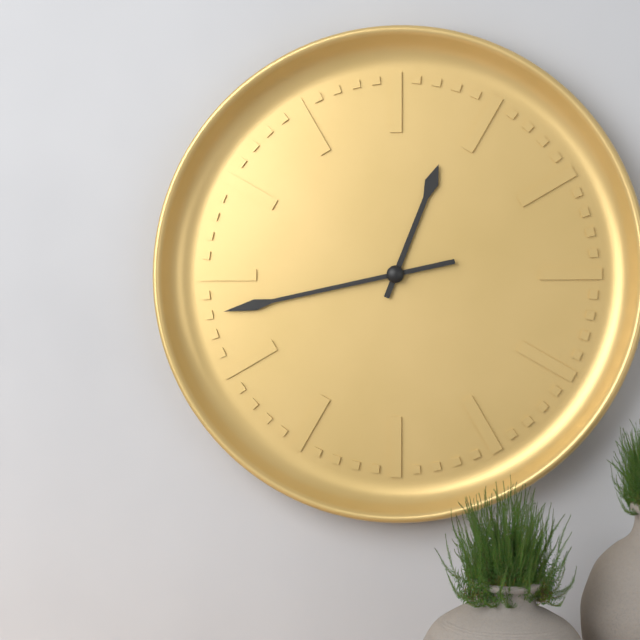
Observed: 12.43
